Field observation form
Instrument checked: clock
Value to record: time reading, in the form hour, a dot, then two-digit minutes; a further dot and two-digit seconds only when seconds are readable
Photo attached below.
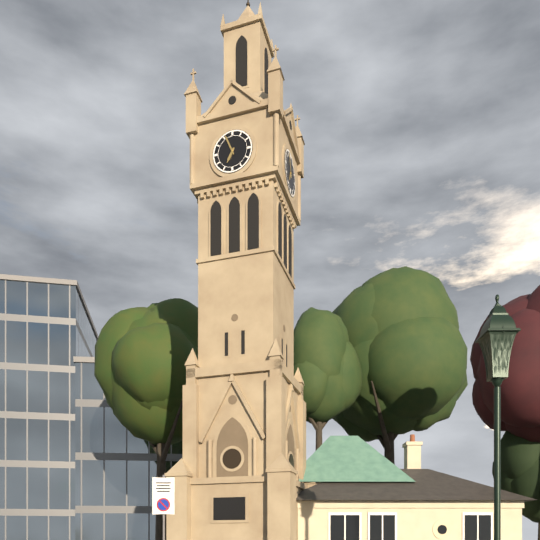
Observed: 6.56
